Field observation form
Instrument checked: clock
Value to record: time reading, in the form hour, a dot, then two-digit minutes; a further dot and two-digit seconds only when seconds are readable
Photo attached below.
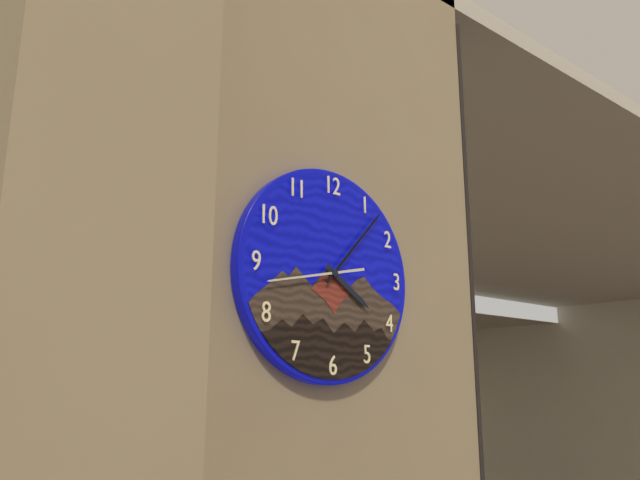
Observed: 4.07.43
